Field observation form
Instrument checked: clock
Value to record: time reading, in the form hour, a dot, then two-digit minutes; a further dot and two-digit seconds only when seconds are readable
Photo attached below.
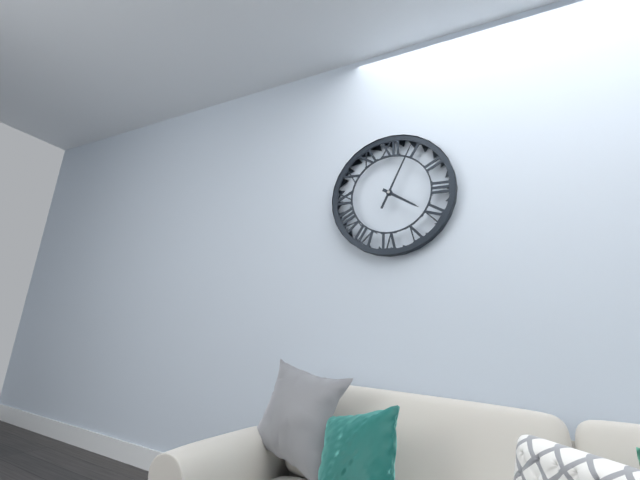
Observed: 4.04
